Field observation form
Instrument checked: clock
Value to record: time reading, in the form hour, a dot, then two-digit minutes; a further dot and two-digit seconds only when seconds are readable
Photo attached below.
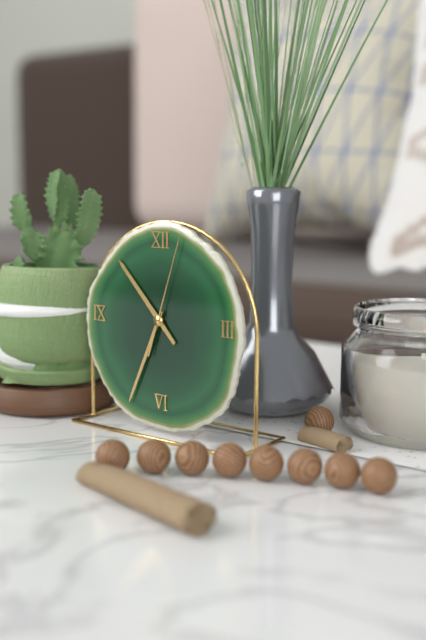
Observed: 10.34.03
